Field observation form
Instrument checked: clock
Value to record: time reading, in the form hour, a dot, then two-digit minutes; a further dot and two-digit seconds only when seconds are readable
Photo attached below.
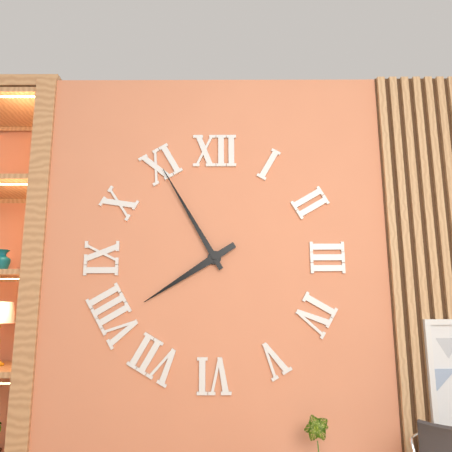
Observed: 7.55
